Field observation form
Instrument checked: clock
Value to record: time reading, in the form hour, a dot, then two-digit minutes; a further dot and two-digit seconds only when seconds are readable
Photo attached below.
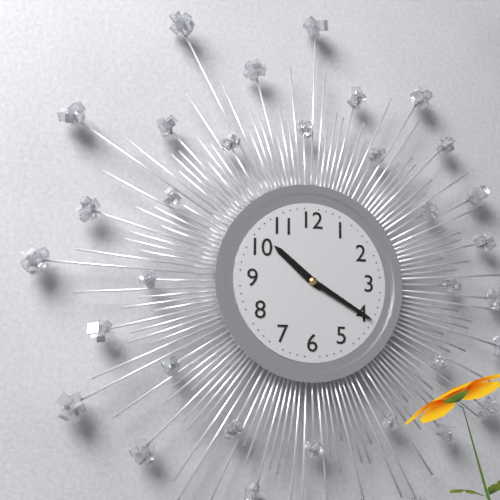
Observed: 10.20
